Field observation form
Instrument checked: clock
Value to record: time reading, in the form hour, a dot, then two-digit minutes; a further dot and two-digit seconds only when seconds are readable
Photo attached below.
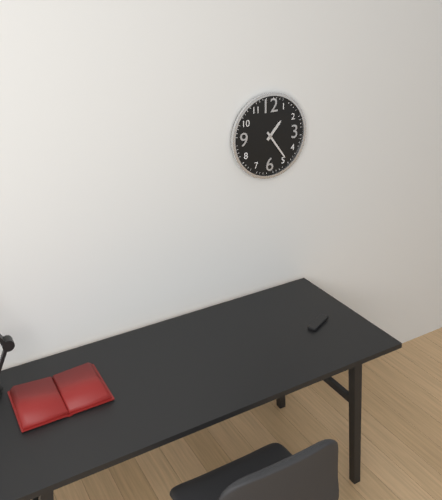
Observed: 1.24
